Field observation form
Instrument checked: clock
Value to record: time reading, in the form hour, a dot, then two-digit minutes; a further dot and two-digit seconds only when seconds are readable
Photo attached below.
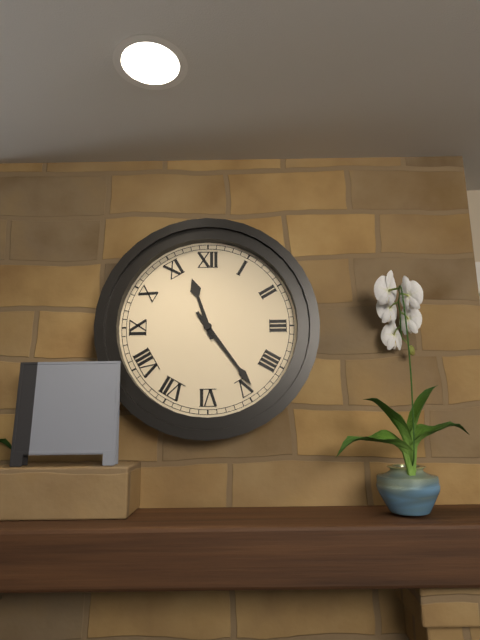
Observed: 11.24
